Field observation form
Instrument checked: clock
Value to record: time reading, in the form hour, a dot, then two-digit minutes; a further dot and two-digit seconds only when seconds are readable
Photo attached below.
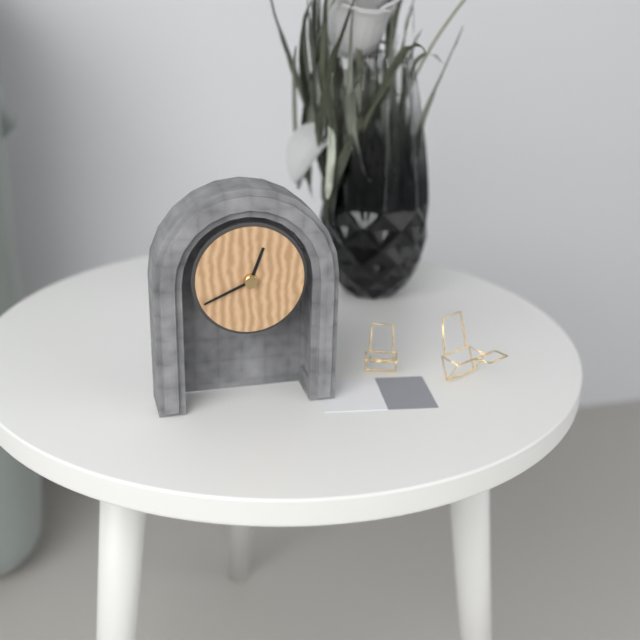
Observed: 12.41
